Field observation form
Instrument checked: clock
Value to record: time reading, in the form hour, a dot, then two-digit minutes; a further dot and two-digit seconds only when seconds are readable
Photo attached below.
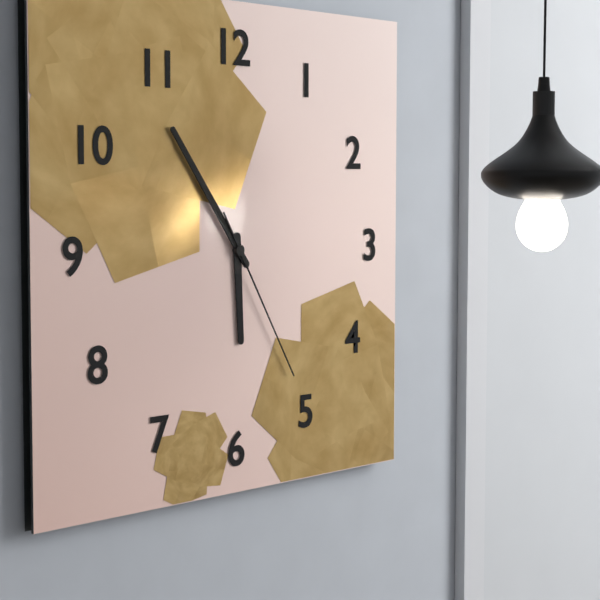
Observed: 5.54.25
